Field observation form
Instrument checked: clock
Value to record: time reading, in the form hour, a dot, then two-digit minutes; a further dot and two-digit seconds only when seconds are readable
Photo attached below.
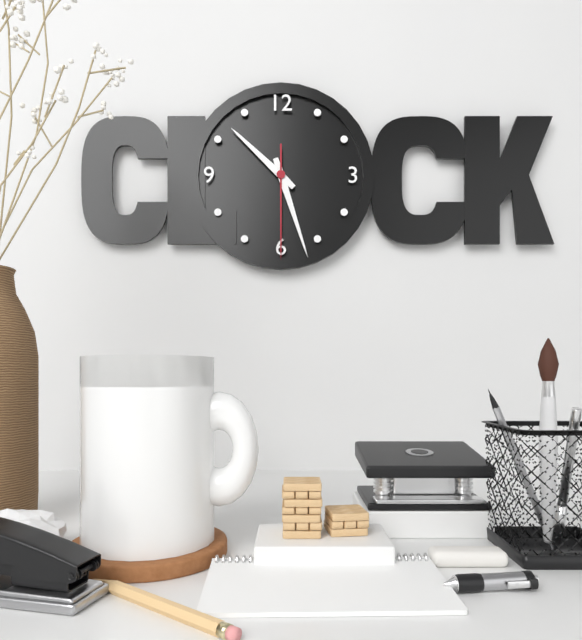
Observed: 10.27.30
